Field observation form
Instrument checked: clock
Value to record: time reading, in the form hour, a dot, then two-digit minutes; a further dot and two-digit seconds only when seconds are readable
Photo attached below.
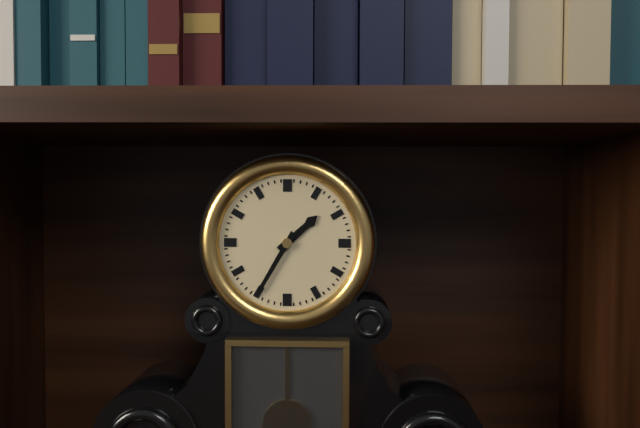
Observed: 1.35
